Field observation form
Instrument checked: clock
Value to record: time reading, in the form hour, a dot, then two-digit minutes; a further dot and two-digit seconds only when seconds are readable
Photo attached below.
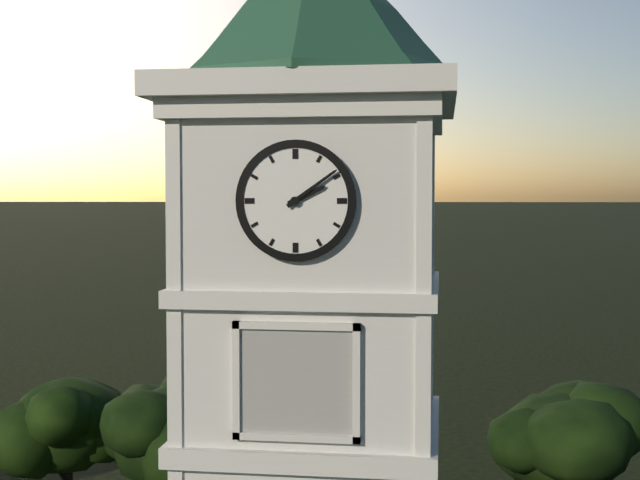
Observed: 2.09
